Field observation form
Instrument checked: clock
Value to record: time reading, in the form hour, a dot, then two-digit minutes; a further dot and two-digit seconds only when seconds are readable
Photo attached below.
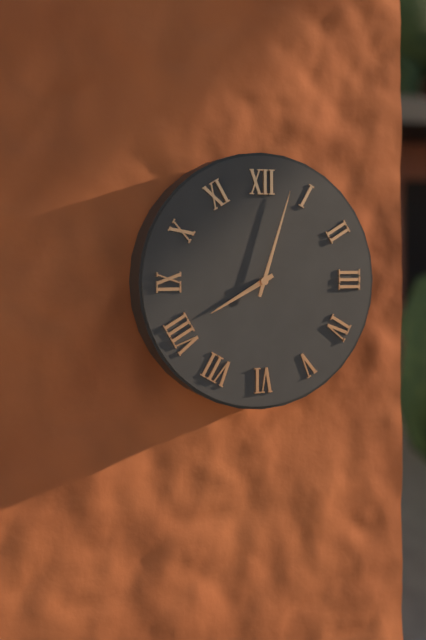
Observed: 8.03
